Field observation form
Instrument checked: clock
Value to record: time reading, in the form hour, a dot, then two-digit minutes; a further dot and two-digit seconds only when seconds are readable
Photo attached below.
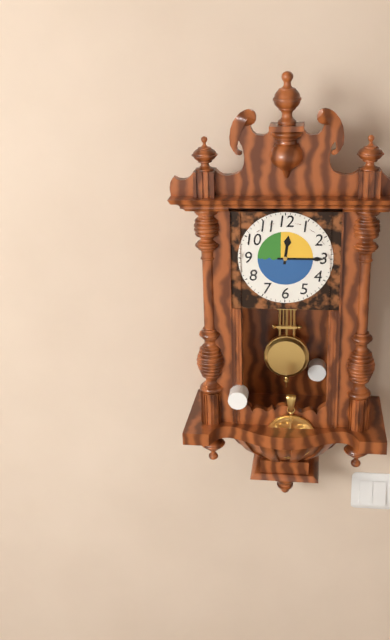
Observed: 12.15
